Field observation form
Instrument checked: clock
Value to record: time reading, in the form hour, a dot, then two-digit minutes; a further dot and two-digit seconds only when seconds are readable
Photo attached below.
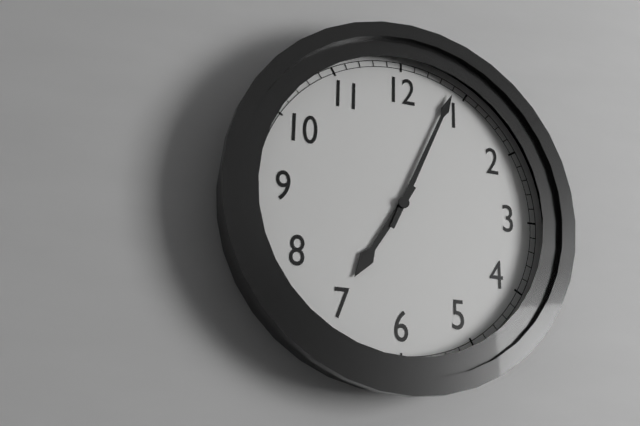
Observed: 7.04
